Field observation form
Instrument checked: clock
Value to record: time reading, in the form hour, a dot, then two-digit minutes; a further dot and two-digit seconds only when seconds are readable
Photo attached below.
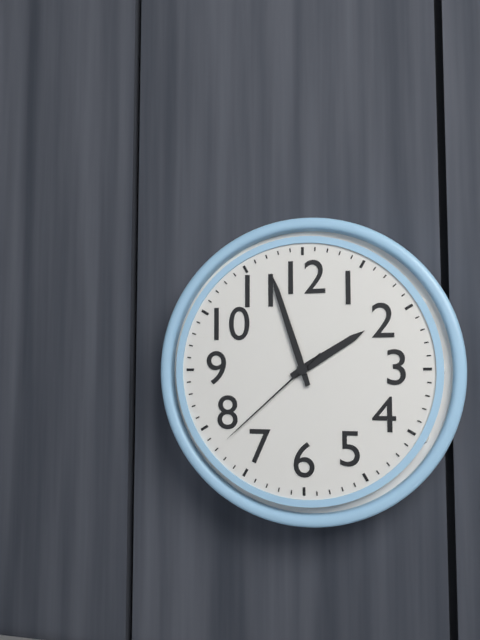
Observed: 1.57.38
